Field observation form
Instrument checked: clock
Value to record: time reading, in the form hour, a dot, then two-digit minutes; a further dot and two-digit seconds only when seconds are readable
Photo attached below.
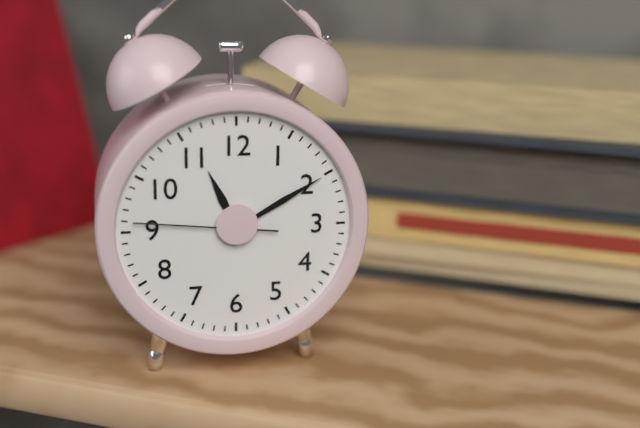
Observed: 11.10.46
